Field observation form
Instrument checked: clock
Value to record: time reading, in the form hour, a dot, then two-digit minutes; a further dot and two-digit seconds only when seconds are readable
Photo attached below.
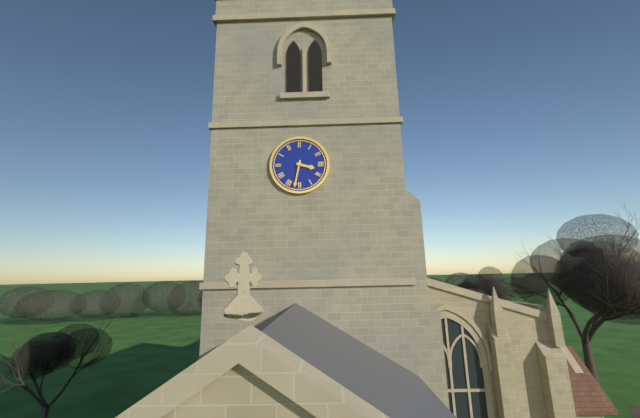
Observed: 3.32
